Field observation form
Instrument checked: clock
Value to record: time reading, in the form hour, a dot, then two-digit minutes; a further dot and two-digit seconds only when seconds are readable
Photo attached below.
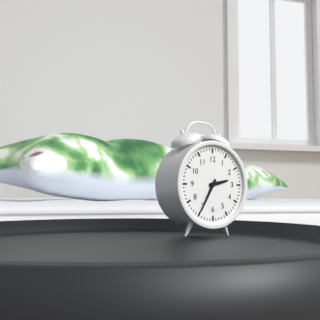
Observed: 2.35
